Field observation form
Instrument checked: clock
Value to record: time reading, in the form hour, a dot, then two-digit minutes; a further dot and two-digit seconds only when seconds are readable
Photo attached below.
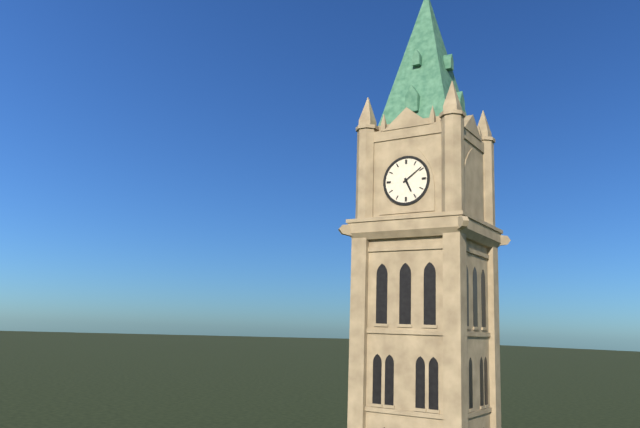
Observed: 5.09
